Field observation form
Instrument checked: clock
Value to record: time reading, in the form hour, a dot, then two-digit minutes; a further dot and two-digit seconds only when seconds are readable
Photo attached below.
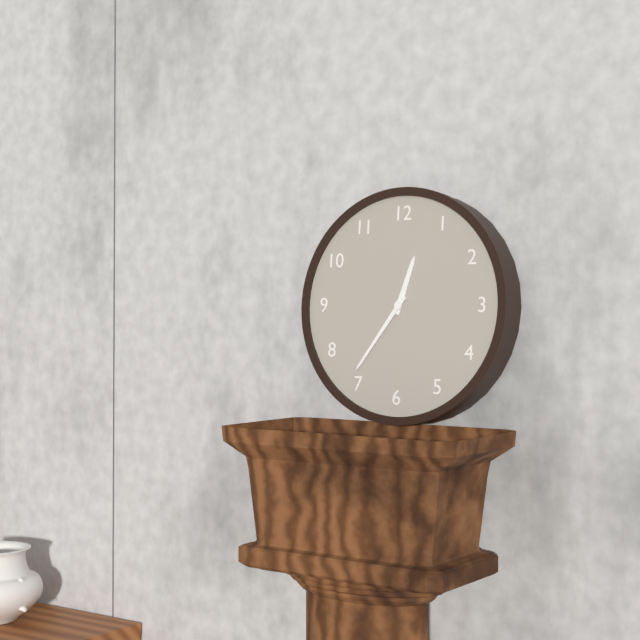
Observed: 12.36
